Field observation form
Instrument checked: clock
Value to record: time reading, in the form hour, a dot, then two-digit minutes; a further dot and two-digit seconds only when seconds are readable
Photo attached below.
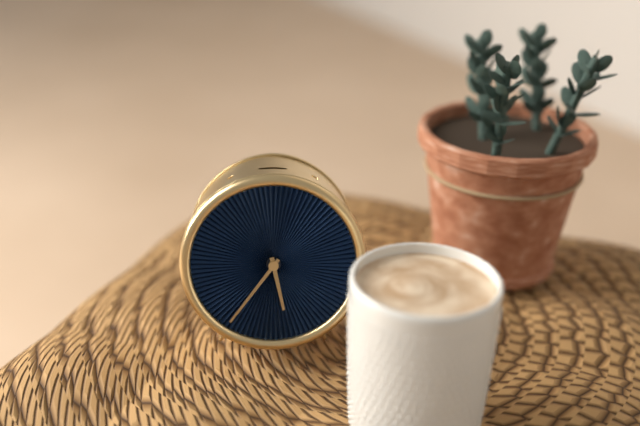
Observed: 5.36
